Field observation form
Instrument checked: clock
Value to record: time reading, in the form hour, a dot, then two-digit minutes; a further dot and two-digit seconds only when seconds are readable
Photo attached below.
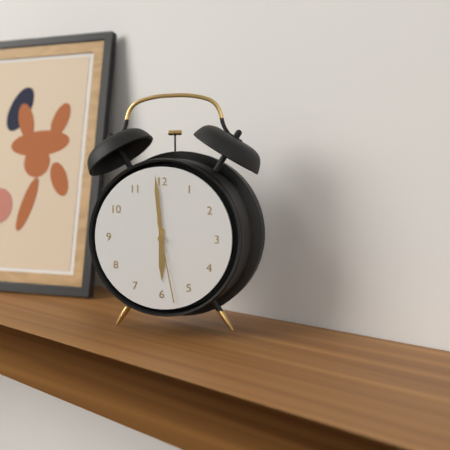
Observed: 5.59.28
